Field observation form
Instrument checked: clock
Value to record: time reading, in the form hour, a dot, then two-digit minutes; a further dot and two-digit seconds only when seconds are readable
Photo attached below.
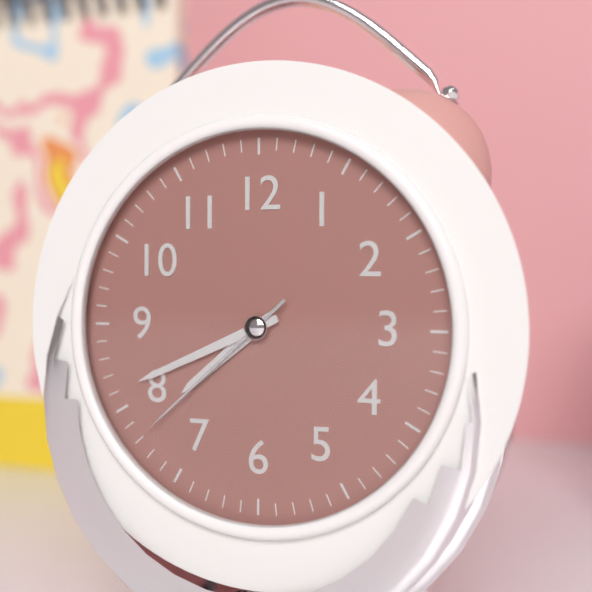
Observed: 7.41.38
